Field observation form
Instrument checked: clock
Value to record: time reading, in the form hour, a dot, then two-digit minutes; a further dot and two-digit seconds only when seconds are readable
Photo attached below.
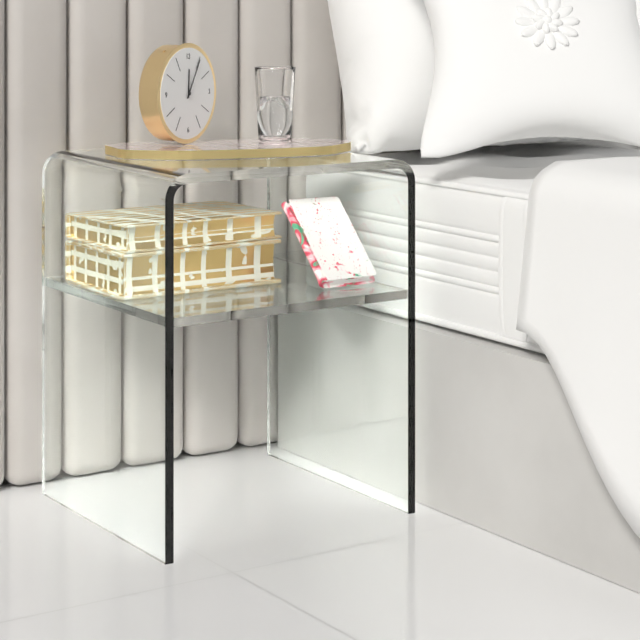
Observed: 12.05
